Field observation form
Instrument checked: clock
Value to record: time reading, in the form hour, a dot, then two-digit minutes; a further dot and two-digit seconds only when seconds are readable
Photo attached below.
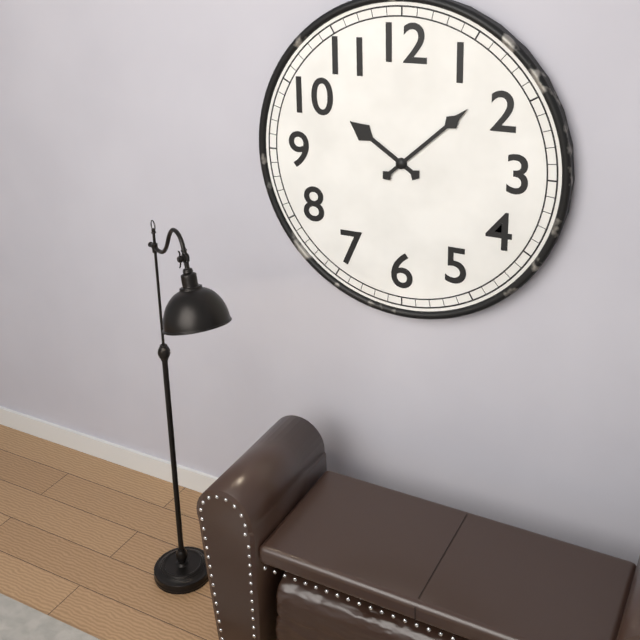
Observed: 10.08
